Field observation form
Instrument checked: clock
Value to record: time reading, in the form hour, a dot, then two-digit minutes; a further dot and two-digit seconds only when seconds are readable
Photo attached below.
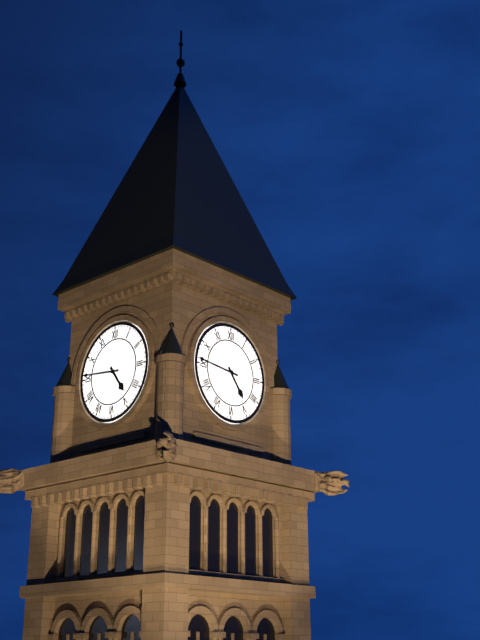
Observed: 4.46
